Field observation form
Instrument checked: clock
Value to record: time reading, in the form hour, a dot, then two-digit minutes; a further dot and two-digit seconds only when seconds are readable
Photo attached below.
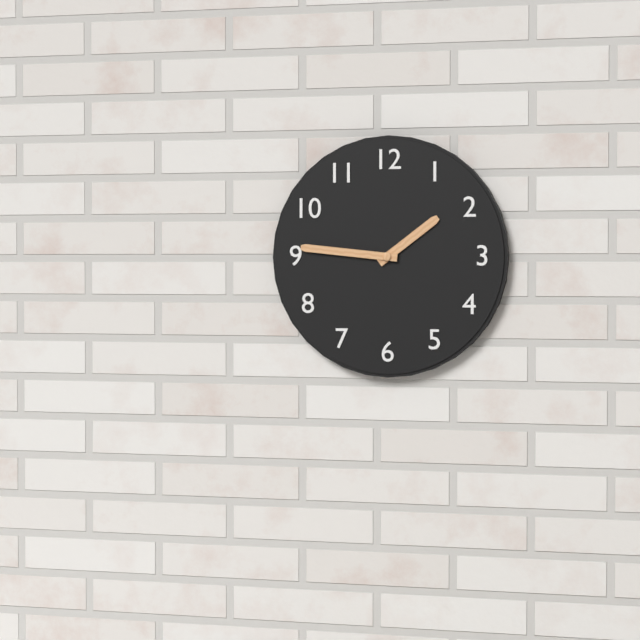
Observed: 1.46
